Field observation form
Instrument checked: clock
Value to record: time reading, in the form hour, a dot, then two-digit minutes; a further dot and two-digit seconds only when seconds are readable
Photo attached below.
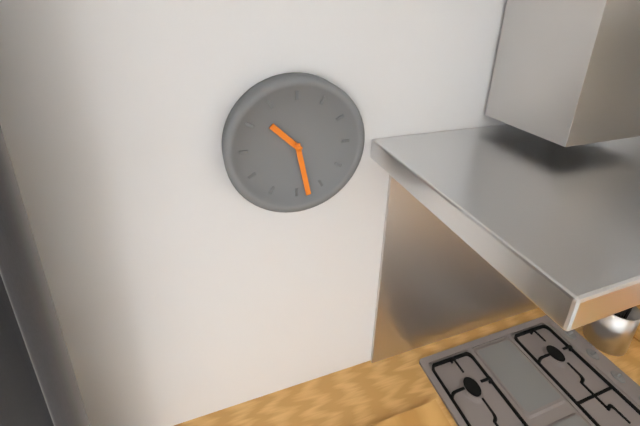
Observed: 10.28
